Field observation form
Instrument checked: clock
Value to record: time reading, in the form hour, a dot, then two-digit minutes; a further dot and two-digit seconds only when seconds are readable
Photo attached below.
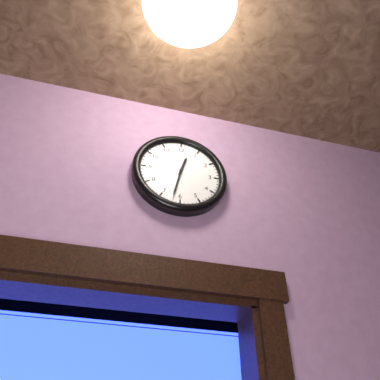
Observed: 12.32
